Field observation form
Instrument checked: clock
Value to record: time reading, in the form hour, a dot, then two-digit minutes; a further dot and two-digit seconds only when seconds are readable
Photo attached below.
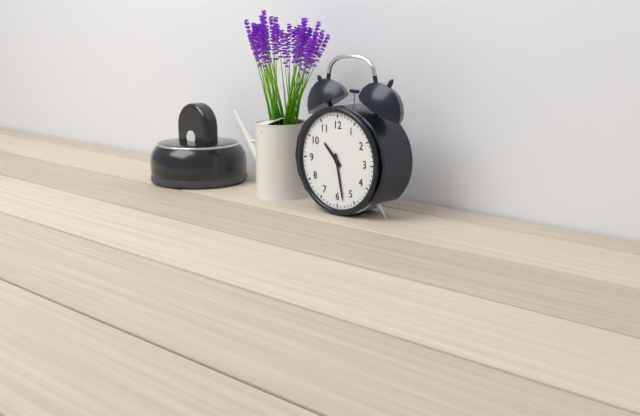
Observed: 10.28
